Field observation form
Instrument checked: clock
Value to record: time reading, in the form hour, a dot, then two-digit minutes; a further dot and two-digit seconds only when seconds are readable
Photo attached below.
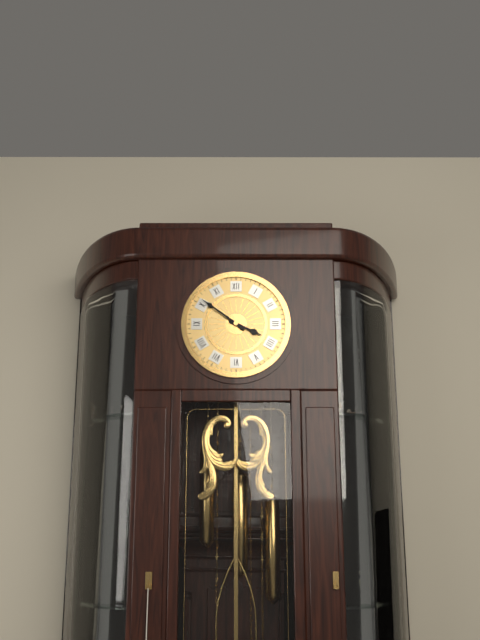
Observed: 3.51
